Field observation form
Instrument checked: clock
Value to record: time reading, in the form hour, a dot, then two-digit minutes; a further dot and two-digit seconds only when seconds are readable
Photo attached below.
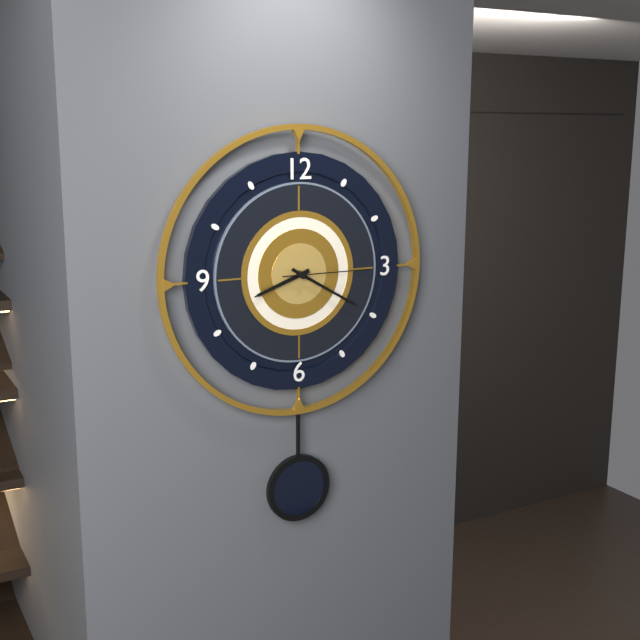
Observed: 8.20.15
